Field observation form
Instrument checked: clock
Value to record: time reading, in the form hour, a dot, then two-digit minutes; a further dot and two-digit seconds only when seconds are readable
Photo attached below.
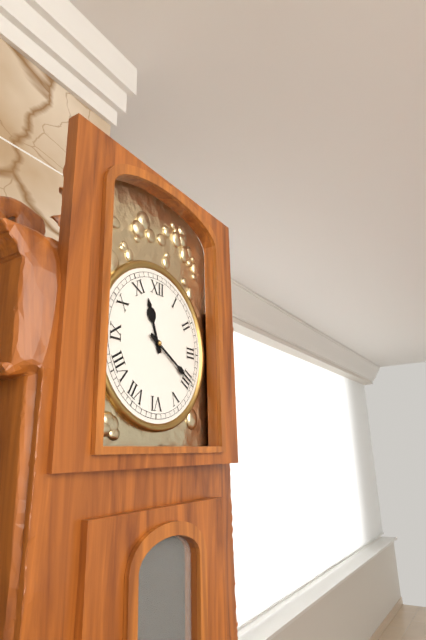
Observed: 11.20
